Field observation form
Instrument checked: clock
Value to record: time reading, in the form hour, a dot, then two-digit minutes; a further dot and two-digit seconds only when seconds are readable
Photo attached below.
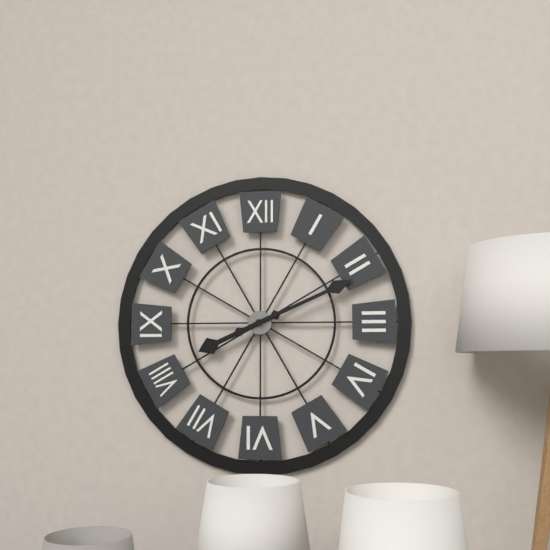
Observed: 8.11
